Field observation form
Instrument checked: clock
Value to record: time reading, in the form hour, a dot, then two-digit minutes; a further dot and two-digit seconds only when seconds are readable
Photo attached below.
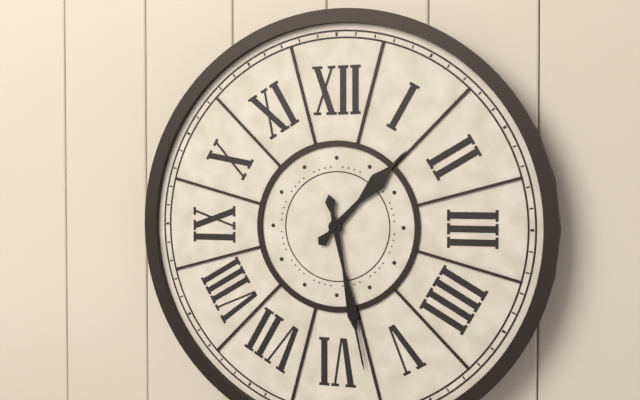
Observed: 1.28
